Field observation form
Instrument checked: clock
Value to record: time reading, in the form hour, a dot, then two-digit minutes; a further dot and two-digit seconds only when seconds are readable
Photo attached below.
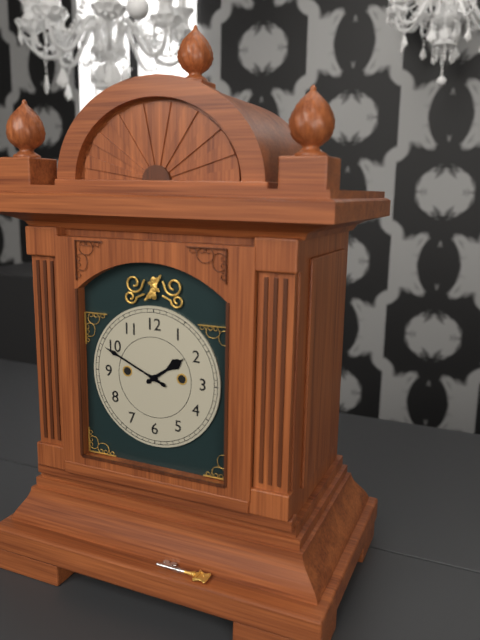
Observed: 1.49
